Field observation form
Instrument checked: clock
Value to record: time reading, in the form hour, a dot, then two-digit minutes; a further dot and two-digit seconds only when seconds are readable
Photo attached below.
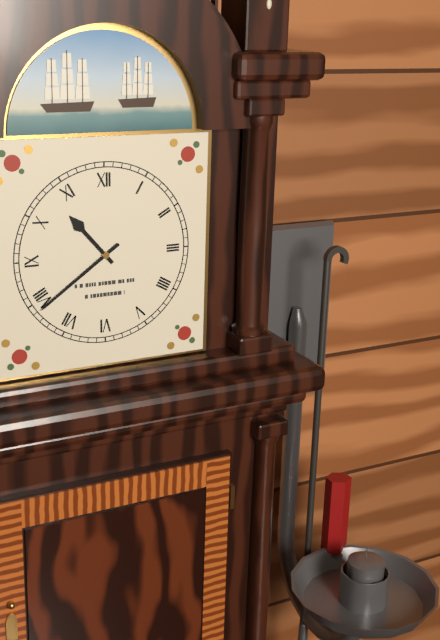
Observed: 10.39
